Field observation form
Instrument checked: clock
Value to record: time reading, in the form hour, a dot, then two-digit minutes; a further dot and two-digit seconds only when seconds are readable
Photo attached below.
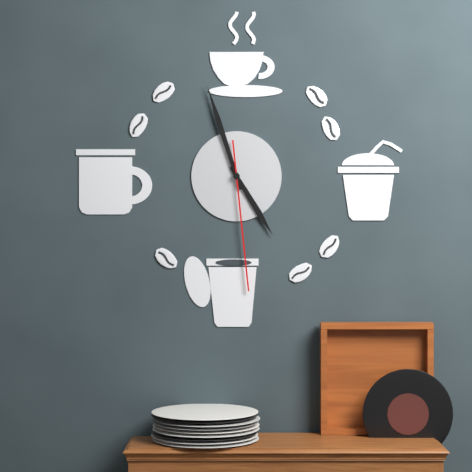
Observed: 4.57.29
